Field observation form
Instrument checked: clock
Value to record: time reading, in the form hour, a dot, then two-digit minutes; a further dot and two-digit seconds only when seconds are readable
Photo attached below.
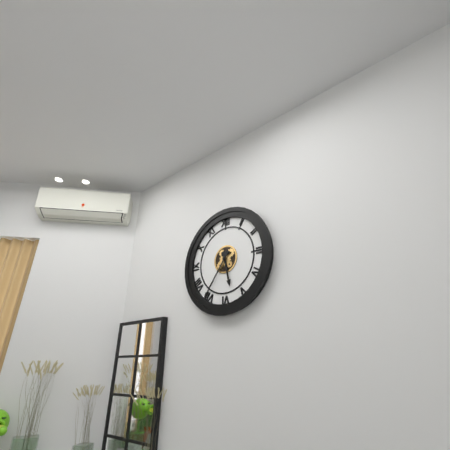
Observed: 5.36
